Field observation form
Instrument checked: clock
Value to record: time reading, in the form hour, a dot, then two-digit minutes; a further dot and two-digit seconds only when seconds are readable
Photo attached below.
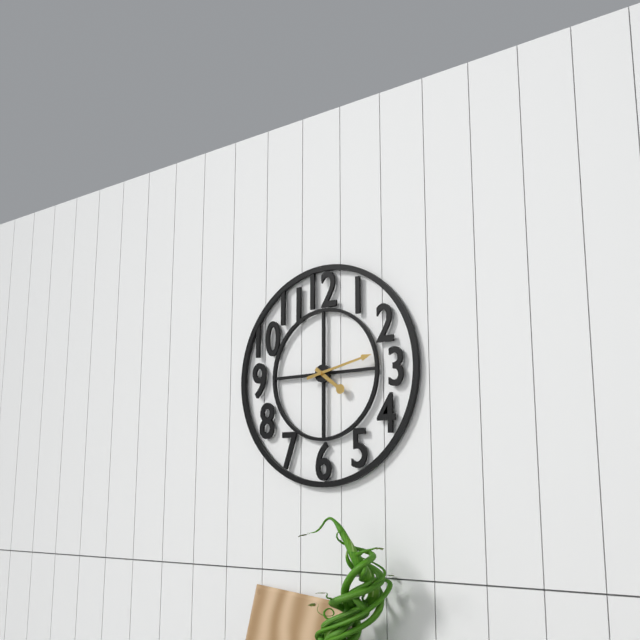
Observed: 4.13
